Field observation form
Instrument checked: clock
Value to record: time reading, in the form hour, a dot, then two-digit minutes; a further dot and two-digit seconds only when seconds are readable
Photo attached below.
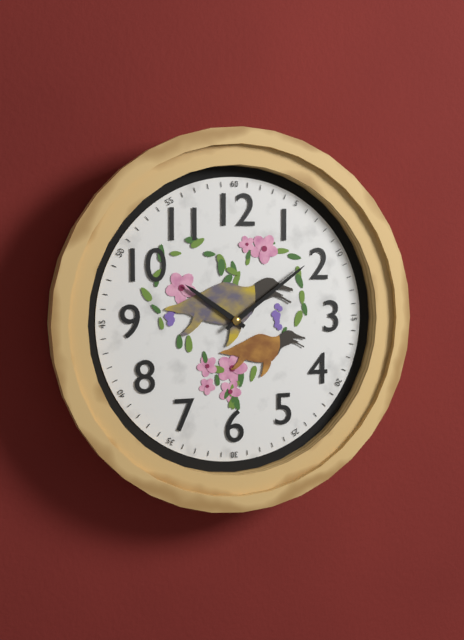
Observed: 10.09
